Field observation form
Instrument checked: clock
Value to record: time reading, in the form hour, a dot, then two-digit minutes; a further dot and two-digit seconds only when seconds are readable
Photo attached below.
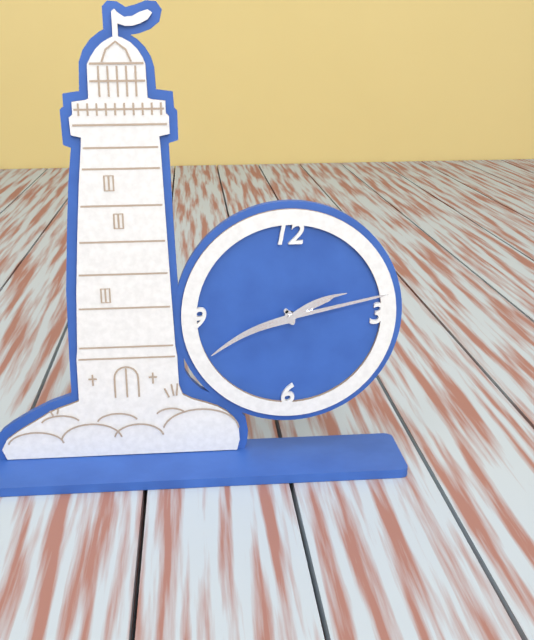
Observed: 2.13.41
